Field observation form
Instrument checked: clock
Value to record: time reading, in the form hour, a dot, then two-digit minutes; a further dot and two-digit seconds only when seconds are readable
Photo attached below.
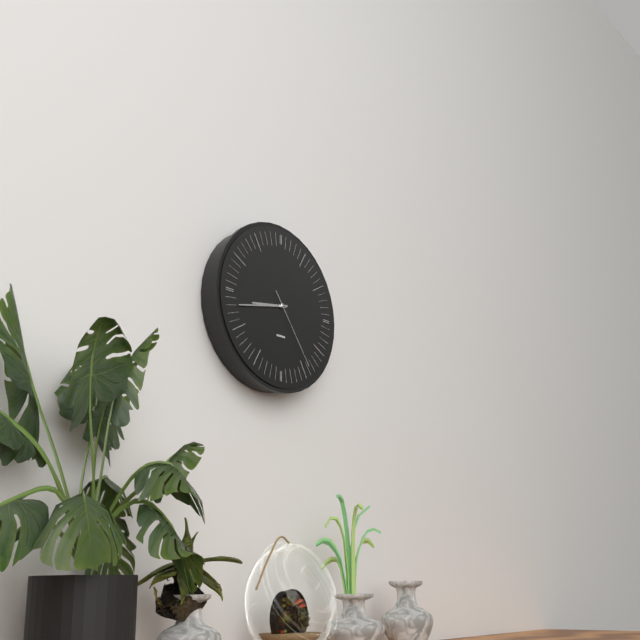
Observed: 8.43.24
